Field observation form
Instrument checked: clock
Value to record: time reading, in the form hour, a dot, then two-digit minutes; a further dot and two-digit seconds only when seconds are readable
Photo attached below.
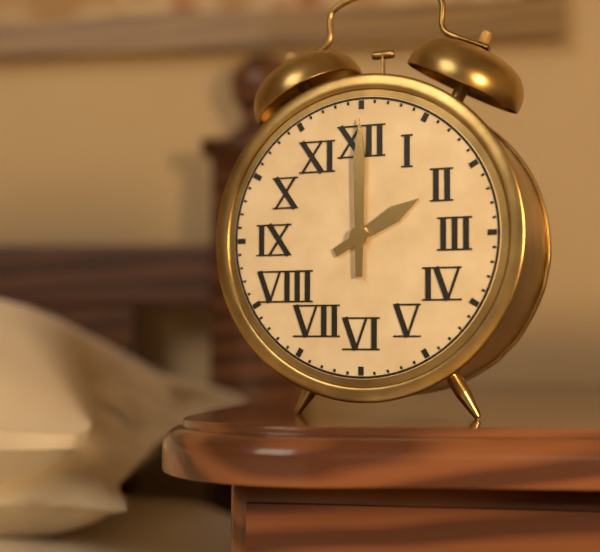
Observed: 2.00
